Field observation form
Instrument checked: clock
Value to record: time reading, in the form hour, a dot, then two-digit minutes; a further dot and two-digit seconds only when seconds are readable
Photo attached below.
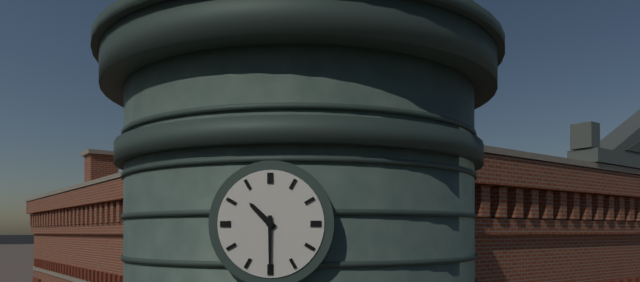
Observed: 10.30
